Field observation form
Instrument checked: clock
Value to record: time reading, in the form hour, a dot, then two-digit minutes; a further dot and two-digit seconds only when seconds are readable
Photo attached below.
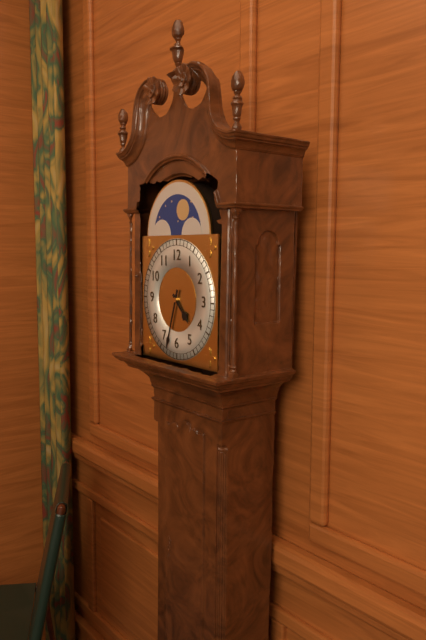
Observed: 4.33
